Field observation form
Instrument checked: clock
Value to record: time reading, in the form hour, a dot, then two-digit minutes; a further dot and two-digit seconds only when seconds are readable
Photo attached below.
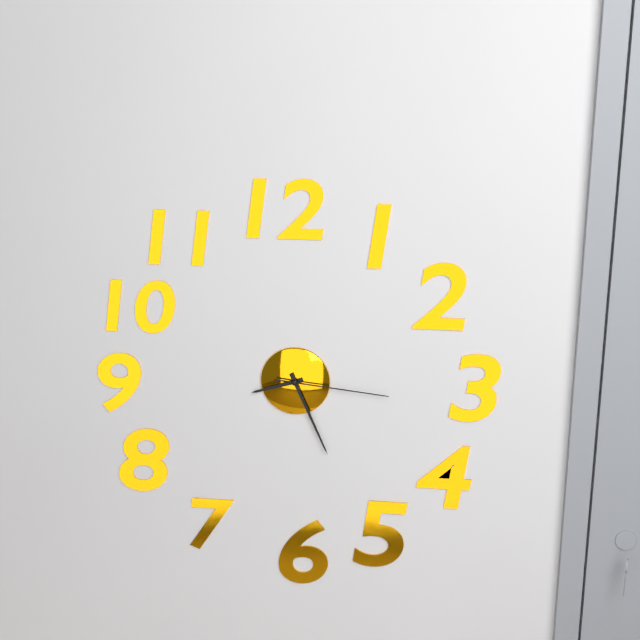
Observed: 8.26.16
